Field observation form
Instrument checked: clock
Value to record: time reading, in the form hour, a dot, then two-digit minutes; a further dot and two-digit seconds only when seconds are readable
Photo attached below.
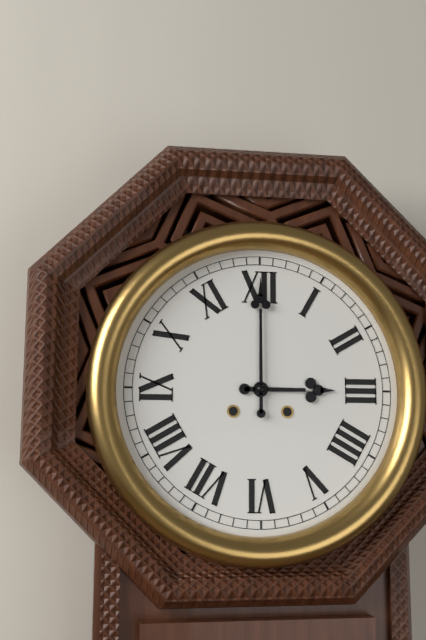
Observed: 3.00
